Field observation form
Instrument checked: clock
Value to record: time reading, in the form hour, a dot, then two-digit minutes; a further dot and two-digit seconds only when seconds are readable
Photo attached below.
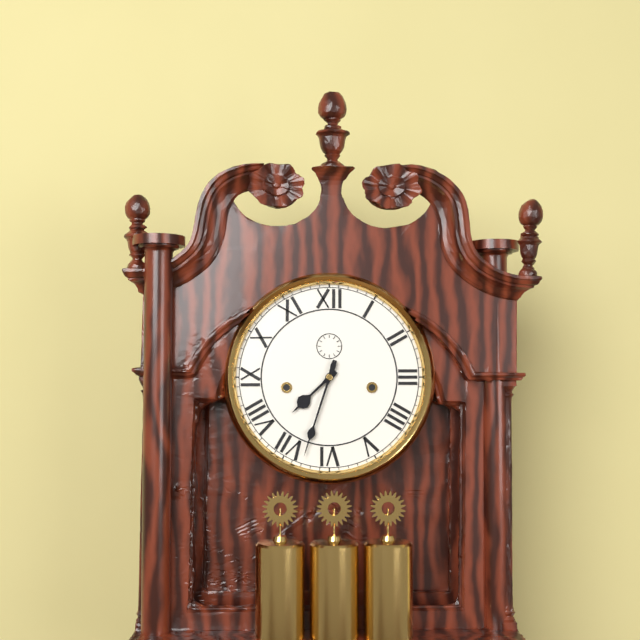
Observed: 7.33
